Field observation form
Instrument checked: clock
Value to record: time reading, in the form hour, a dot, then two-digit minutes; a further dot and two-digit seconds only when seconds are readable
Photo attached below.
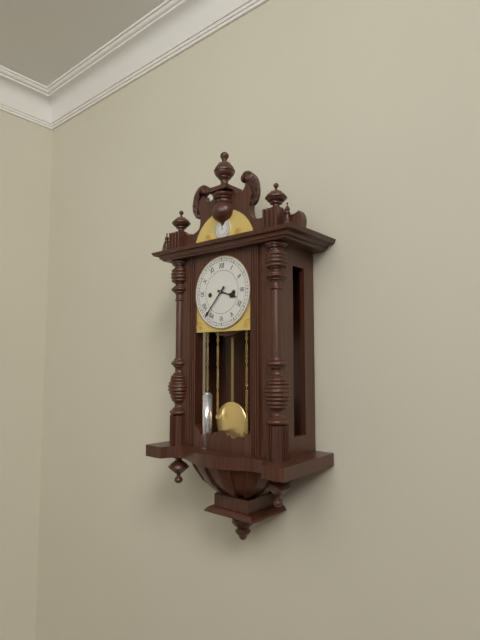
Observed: 3.37
